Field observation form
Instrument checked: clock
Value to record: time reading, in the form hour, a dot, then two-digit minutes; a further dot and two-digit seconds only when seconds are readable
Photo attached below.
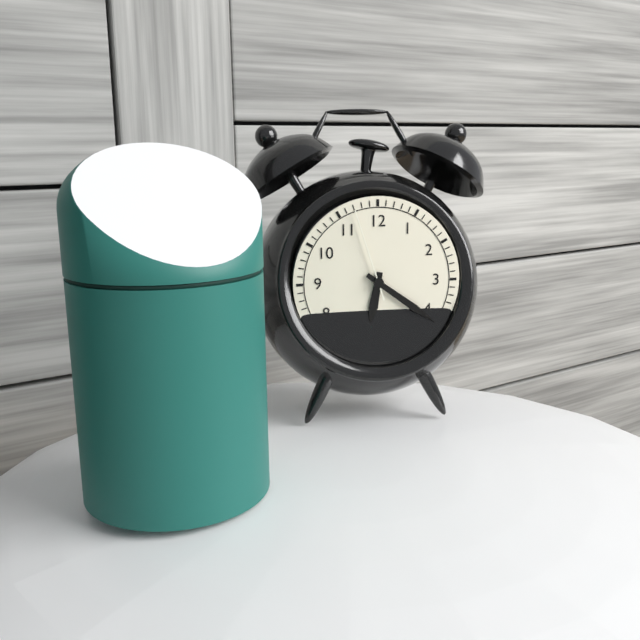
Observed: 6.21.57
